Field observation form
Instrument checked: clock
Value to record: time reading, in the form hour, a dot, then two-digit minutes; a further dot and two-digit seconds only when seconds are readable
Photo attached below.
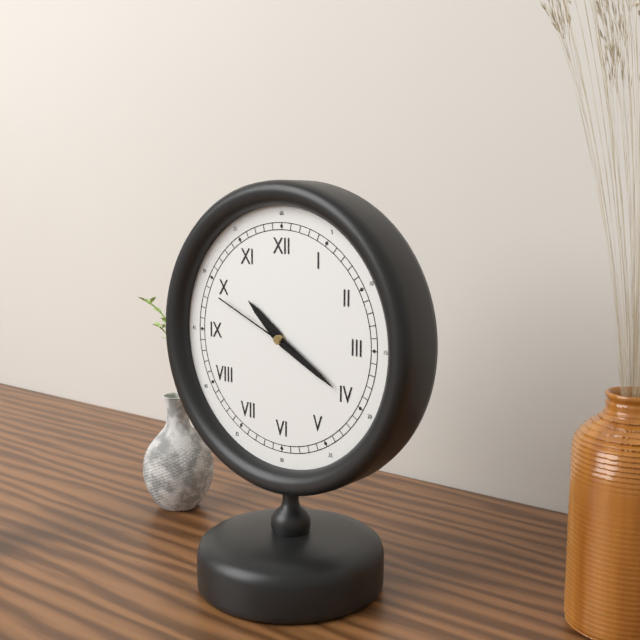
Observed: 10.20.49
